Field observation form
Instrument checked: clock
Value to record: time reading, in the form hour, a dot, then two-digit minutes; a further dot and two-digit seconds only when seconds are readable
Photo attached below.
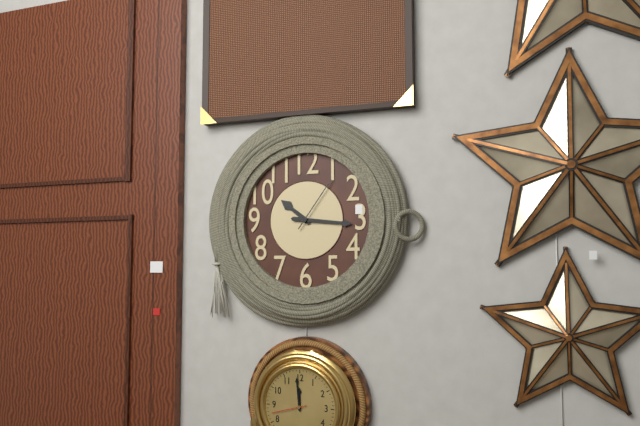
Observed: 10.16.06
